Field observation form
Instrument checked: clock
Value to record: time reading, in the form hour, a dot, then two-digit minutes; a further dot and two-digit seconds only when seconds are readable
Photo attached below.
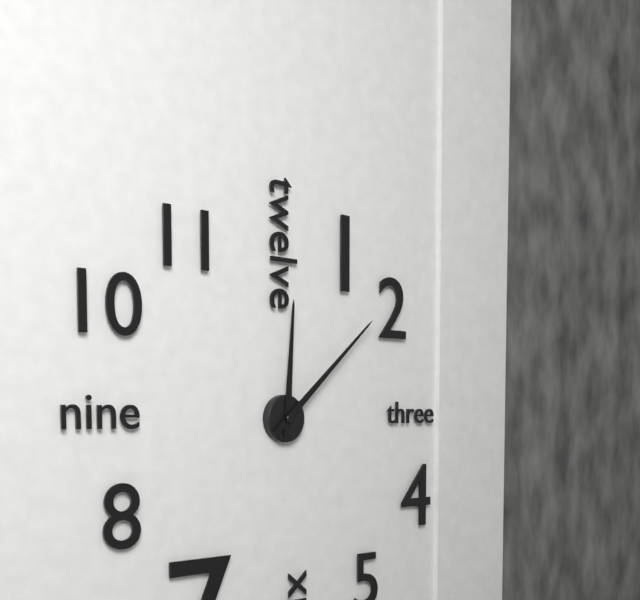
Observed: 12.08
